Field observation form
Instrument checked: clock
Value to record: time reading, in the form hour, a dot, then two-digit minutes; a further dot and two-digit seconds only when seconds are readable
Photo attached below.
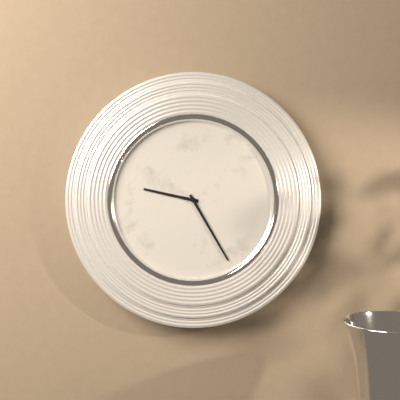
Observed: 9.25
